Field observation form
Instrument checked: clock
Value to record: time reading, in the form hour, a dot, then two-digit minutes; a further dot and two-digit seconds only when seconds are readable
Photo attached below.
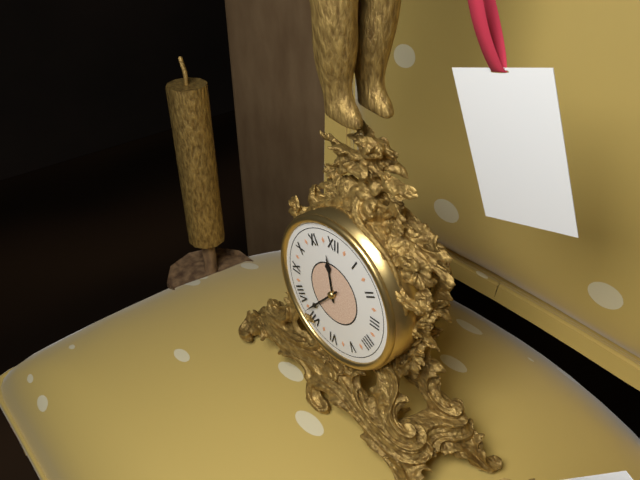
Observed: 11.37
